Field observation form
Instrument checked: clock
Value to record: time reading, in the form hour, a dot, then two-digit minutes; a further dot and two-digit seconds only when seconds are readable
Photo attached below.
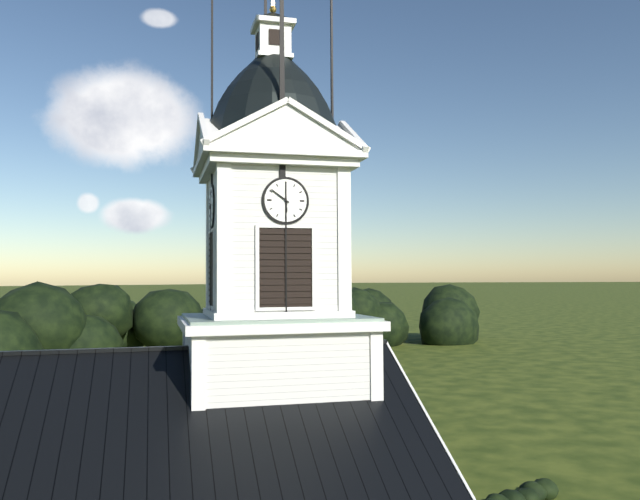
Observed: 5.51
